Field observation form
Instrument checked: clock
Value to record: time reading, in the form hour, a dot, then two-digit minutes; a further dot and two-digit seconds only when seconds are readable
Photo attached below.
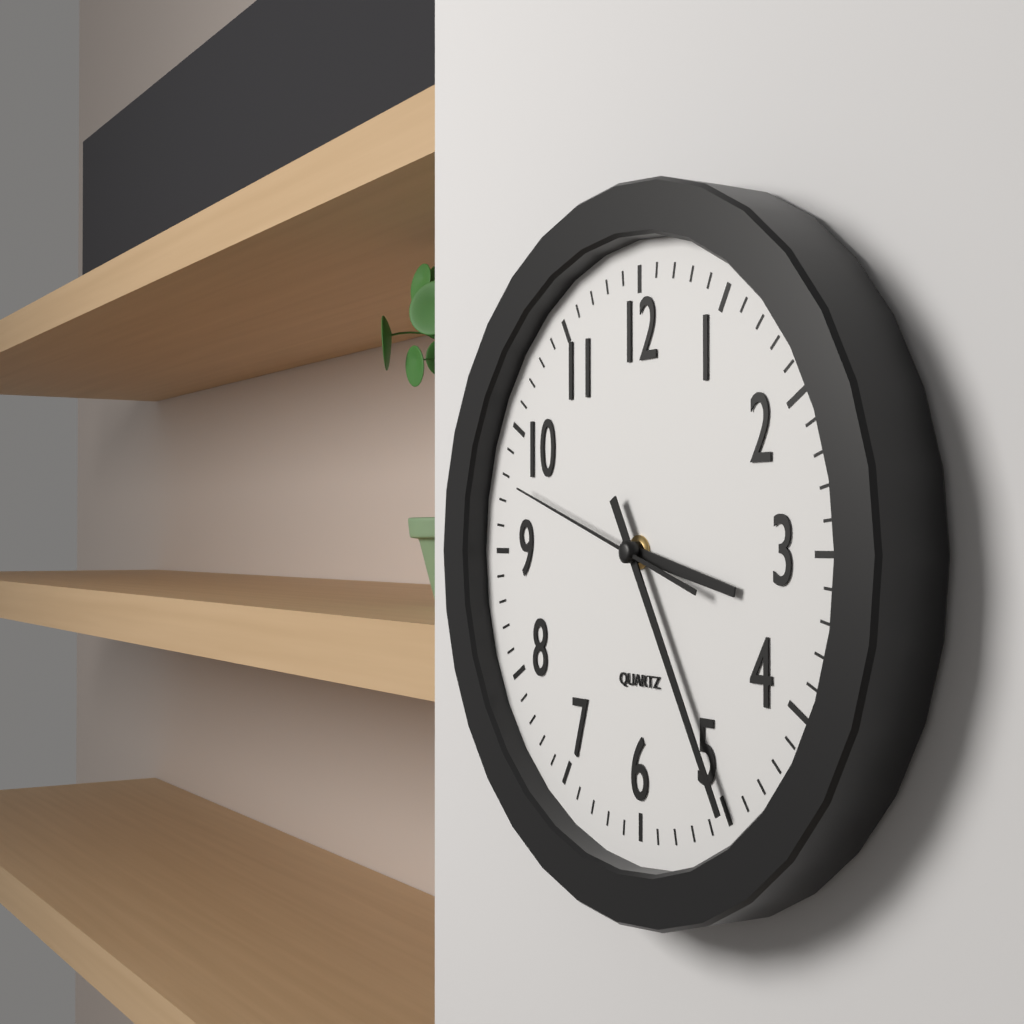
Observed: 3.25.48
